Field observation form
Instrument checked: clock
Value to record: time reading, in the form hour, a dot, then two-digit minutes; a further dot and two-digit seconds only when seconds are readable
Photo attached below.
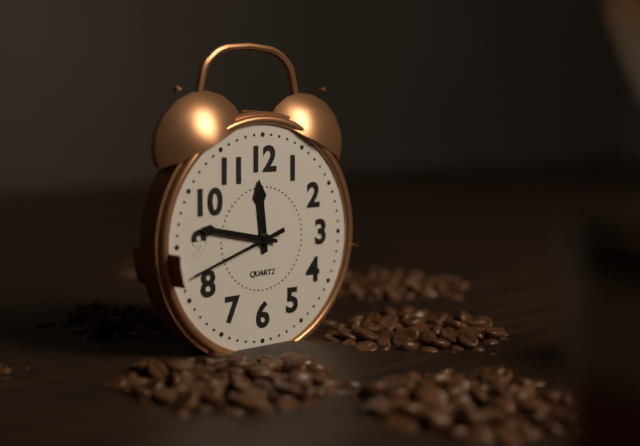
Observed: 11.47.42
